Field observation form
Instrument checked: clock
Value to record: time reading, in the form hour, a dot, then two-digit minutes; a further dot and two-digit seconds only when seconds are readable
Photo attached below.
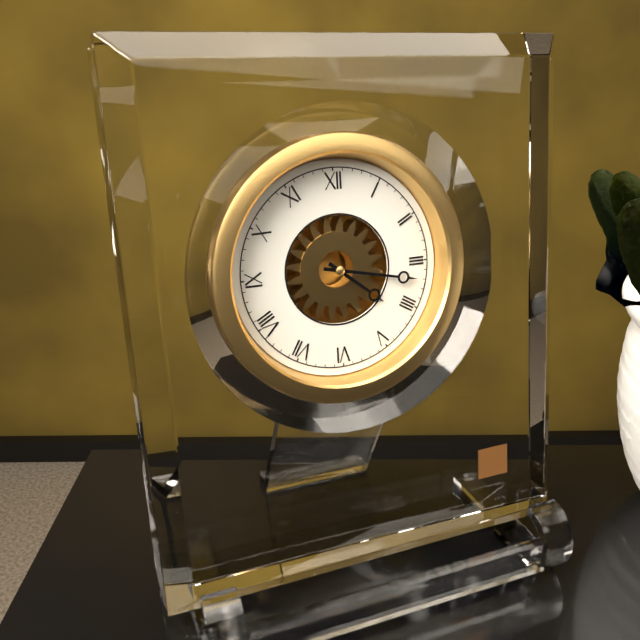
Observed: 4.17
